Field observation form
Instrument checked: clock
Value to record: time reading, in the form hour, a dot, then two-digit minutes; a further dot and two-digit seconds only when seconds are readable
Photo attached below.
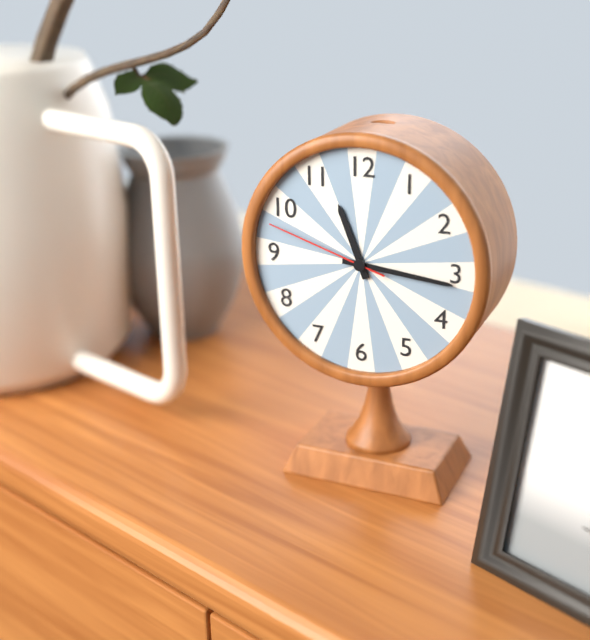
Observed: 11.16.48
